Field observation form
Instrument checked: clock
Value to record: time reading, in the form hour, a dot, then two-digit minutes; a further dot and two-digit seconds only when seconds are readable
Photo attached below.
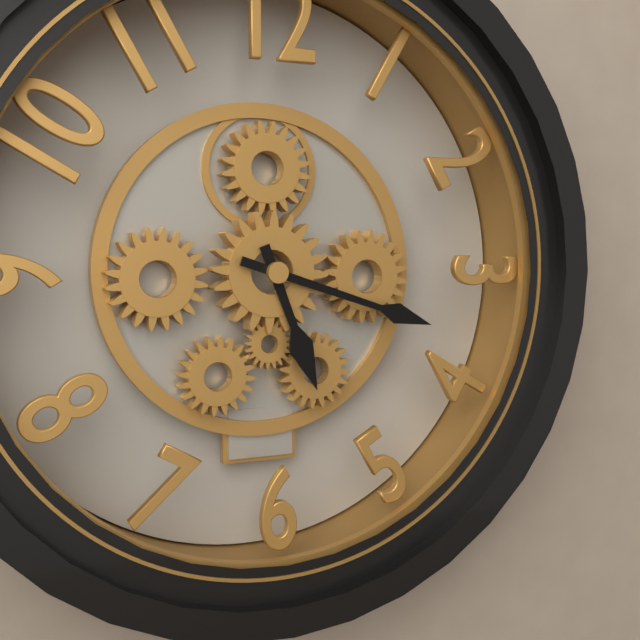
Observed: 5.18
